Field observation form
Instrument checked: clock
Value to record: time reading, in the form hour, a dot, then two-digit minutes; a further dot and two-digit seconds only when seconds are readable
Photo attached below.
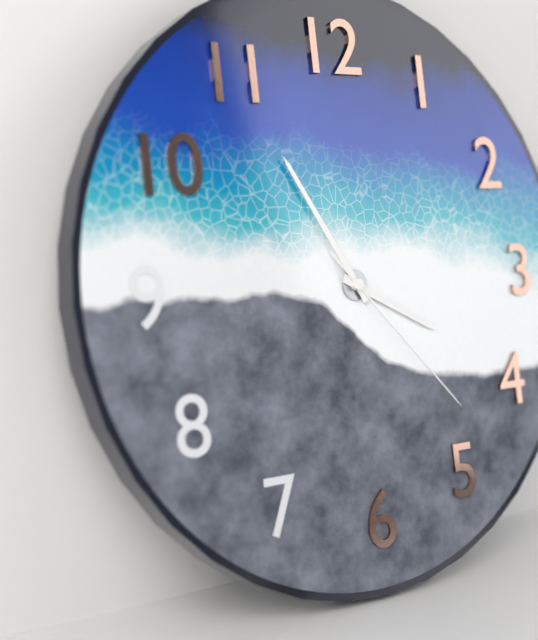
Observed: 3.55.23
